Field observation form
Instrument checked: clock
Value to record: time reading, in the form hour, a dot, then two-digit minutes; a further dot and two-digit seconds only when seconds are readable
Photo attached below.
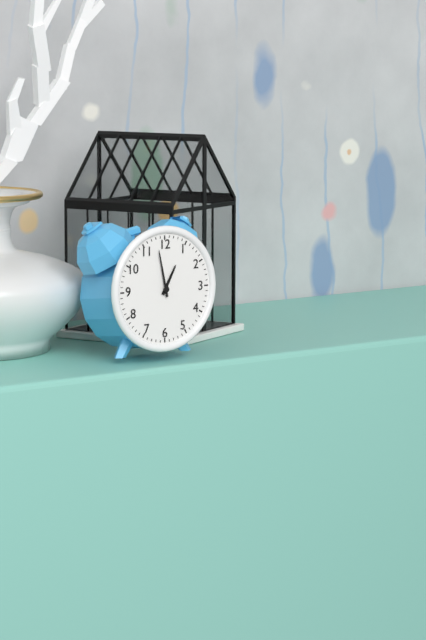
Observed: 12.58
